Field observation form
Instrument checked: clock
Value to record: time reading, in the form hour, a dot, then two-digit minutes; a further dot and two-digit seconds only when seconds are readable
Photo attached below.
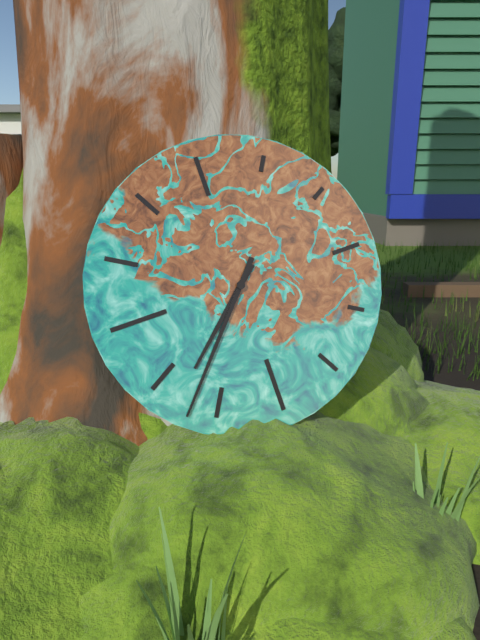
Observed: 7.37
